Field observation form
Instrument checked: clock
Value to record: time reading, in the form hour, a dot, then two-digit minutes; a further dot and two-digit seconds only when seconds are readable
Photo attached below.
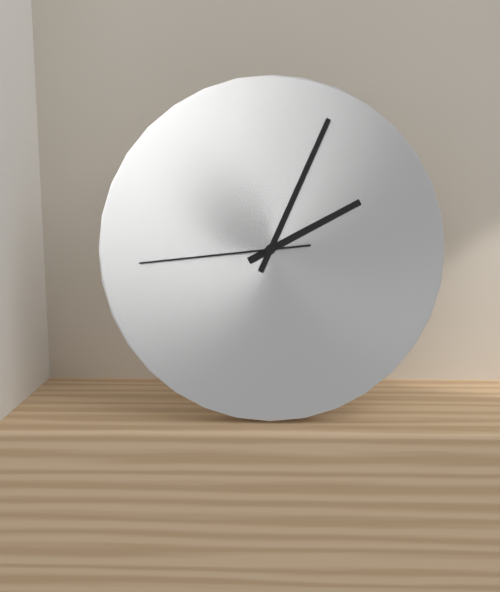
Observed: 2.04.44
